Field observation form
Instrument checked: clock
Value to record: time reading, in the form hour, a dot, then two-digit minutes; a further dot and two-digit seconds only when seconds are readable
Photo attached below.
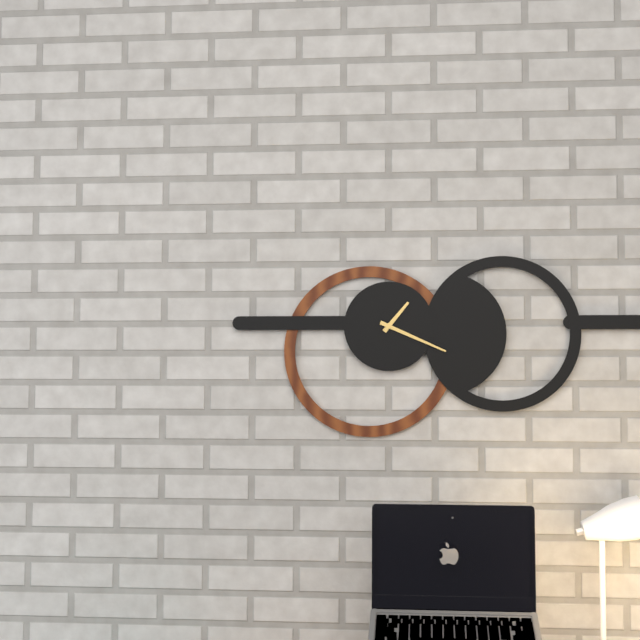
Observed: 1.19
